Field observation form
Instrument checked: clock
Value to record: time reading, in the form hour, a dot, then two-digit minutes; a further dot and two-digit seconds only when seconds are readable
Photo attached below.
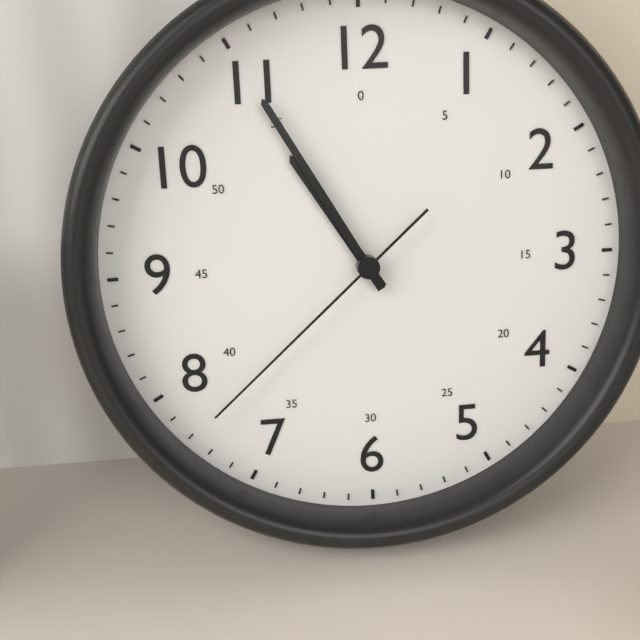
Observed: 10.55.38
